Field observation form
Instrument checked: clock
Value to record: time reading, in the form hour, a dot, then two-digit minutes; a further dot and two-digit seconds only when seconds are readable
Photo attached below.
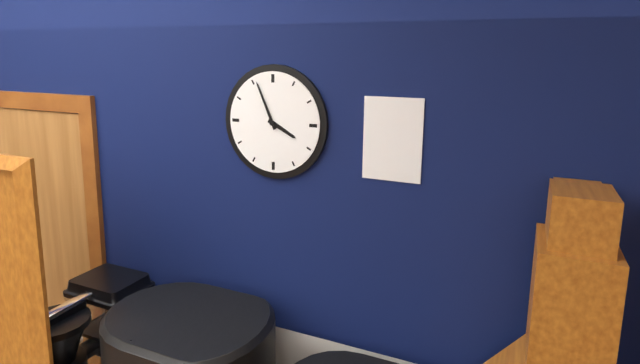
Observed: 3.56
